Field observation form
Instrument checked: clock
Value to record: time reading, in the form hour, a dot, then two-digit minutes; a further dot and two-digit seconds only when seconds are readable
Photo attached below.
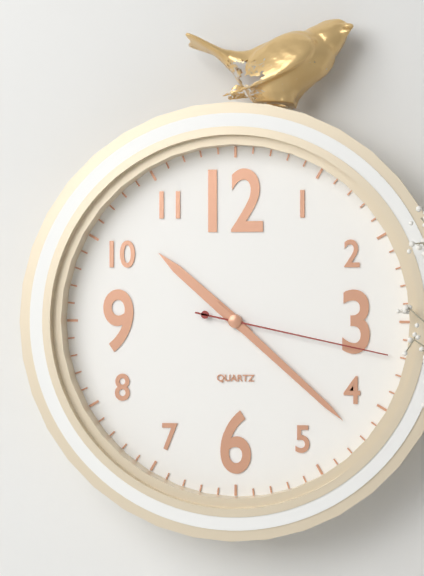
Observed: 10.22.17
